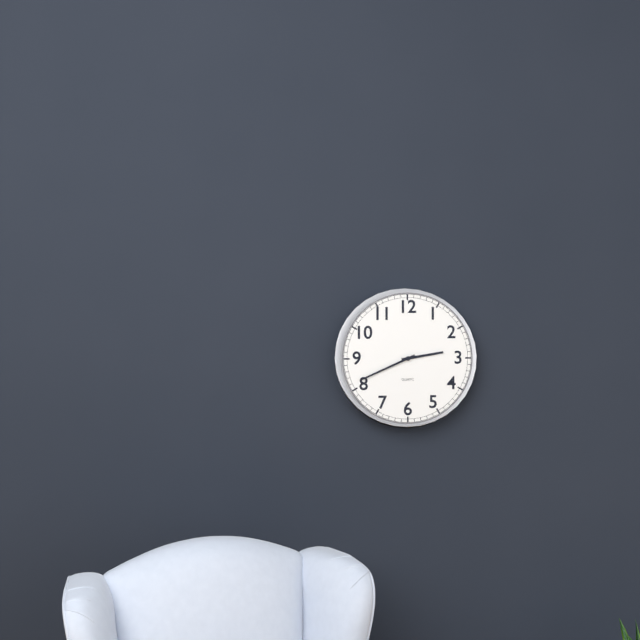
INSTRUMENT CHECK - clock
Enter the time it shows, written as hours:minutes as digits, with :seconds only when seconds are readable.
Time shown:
2:41
